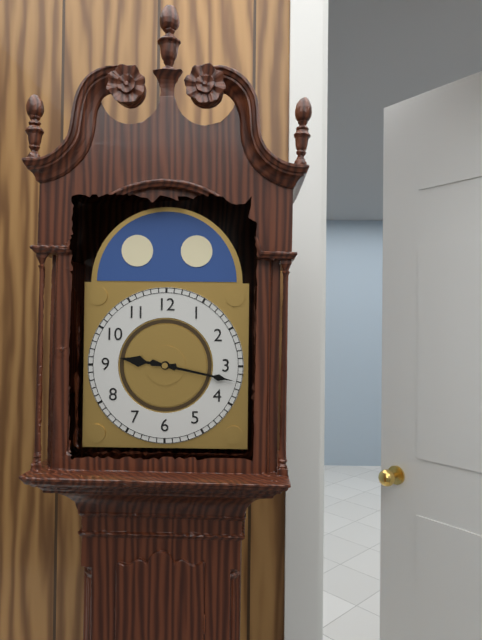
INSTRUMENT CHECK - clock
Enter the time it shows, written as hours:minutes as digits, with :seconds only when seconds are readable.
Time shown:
9:17
